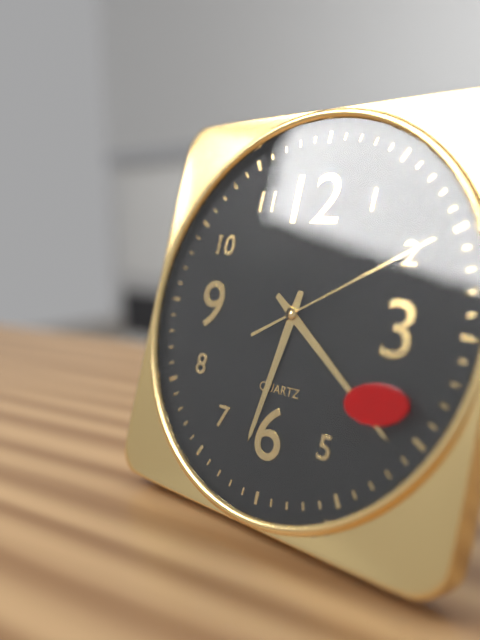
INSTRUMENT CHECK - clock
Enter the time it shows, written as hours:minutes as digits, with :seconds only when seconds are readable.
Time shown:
6:21:10
